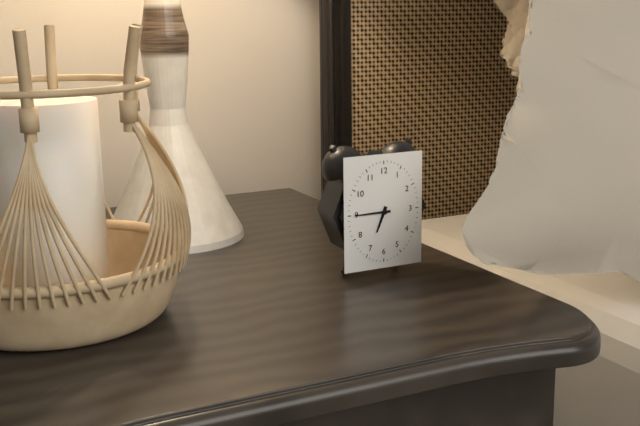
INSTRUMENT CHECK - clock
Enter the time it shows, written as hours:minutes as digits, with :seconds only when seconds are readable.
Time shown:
6:45
